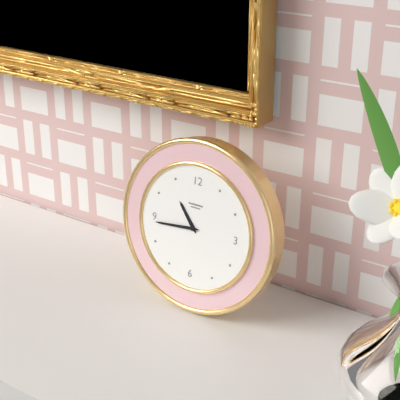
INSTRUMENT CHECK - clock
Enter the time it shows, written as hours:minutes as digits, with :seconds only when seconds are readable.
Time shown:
10:44
